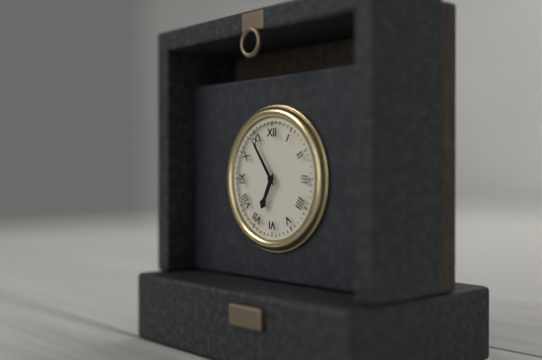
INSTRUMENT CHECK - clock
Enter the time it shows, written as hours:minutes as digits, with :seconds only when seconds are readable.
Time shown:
6:54
